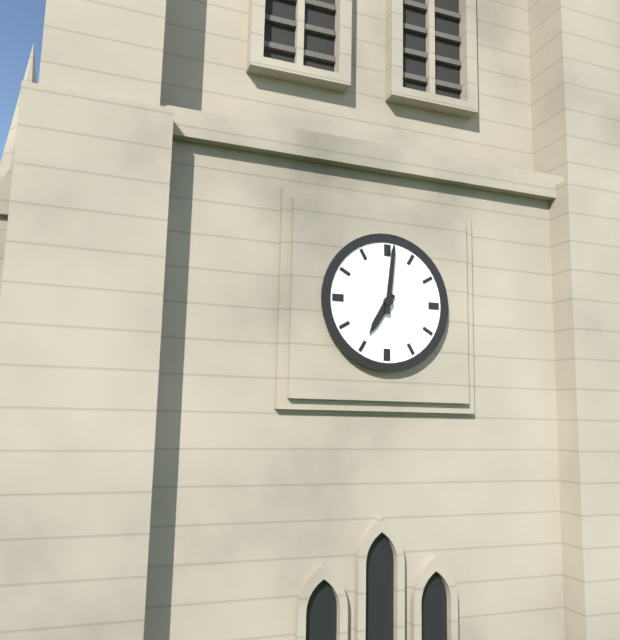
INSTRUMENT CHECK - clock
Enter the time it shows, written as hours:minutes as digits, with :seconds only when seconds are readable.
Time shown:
7:01
